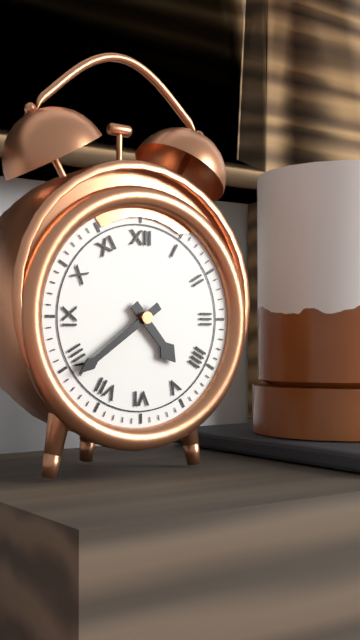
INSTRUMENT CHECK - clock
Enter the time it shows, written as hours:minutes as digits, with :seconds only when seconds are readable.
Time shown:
4:39
